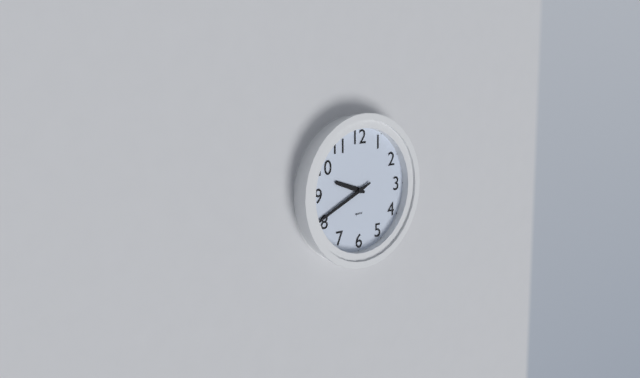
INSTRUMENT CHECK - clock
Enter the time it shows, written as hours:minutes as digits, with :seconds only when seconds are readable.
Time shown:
9:41
